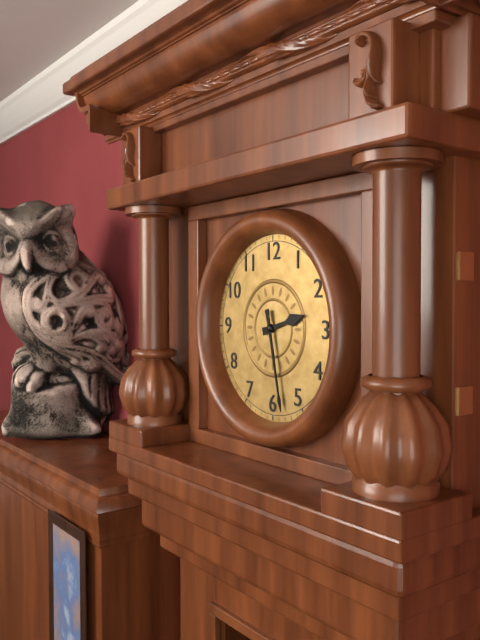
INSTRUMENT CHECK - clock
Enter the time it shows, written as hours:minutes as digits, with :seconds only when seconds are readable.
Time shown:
2:28
